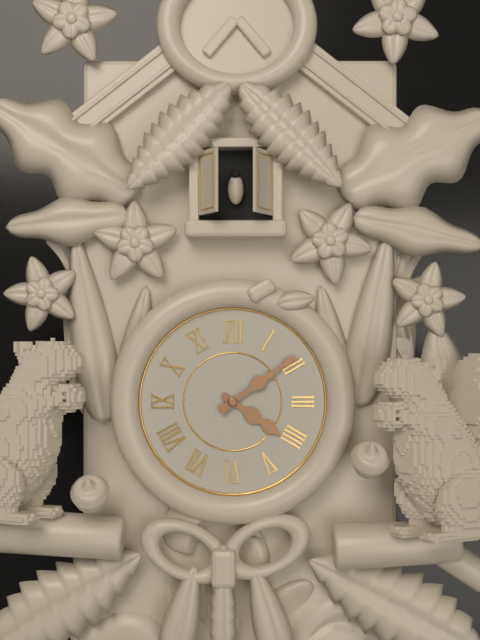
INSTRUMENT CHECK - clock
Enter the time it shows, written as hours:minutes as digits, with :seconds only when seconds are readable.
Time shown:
4:09
